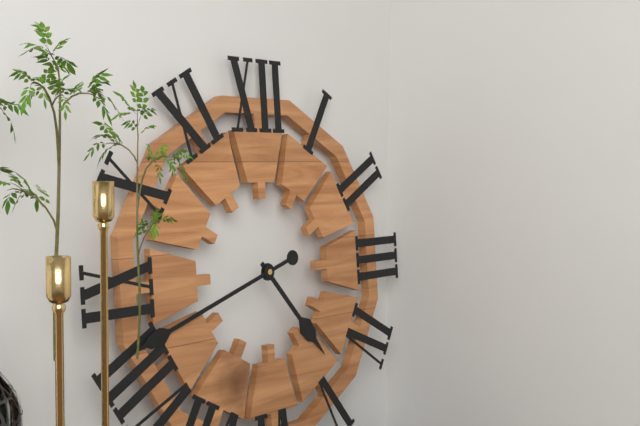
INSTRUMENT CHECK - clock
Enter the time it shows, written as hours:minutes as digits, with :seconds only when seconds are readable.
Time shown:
4:42
